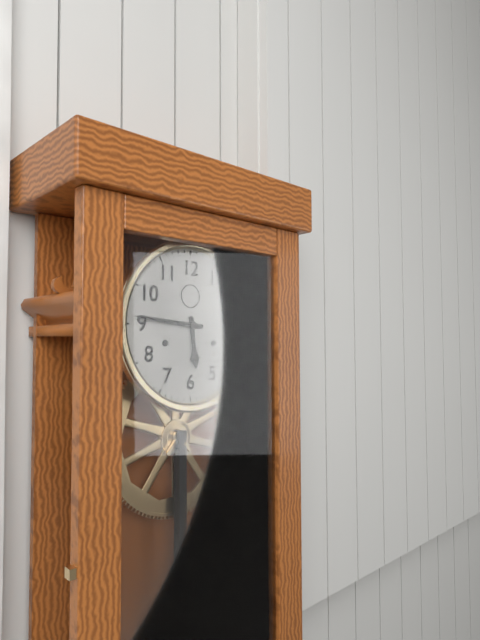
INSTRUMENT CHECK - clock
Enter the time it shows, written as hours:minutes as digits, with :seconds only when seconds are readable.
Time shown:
5:46
